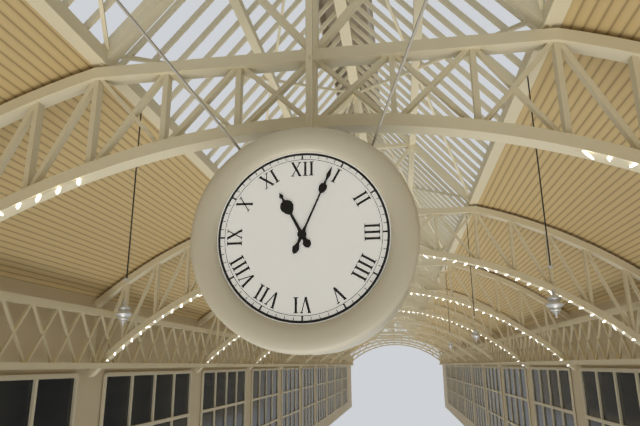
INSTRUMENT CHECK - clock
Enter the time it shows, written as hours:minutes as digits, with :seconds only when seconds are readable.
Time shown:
11:04
